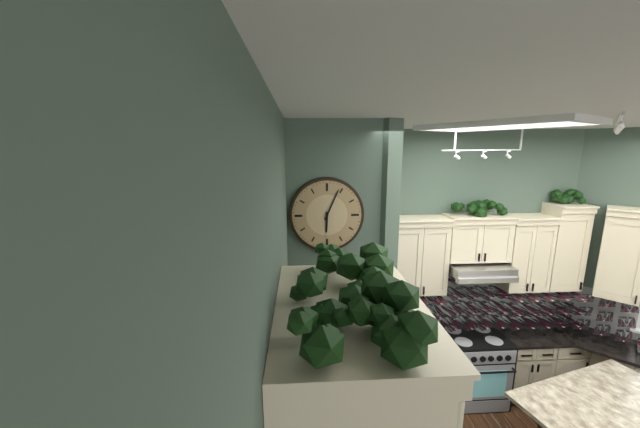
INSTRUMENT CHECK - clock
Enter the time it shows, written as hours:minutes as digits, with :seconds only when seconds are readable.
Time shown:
6:04
